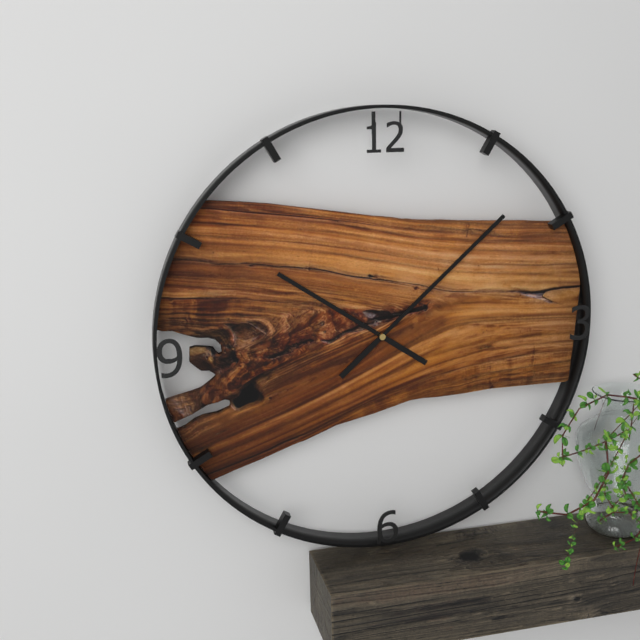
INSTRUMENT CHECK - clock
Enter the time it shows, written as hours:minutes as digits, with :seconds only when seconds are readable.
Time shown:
10:08
